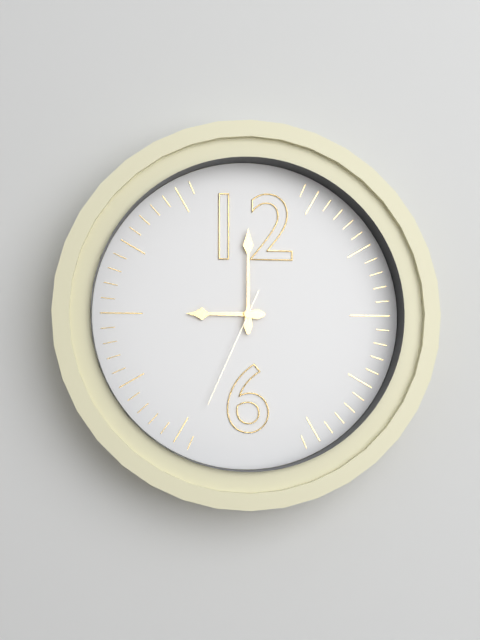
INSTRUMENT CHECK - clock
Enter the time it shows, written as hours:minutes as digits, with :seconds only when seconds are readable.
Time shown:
9:00:34
